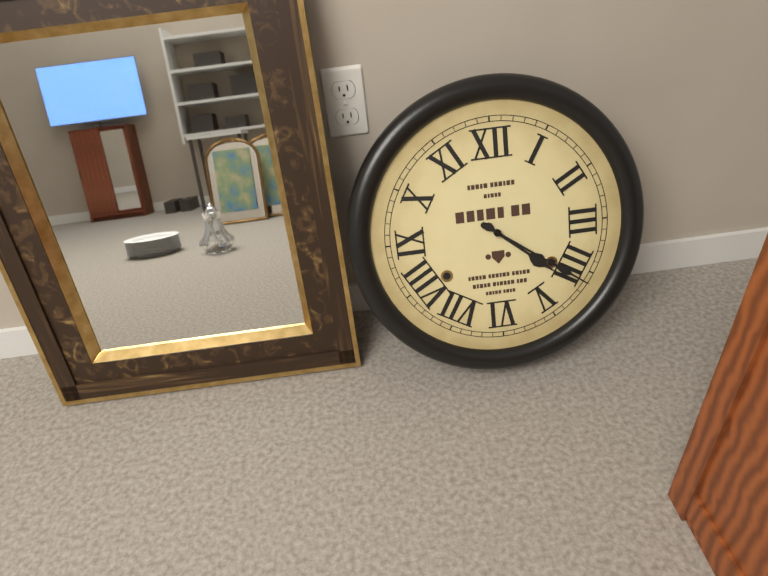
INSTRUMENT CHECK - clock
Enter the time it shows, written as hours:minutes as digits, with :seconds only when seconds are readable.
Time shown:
4:21
